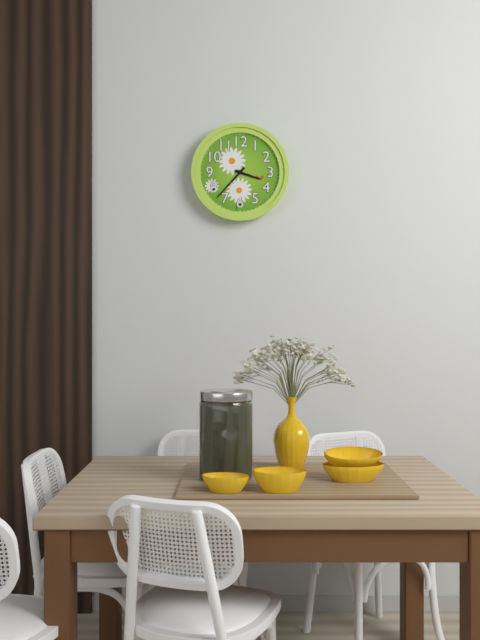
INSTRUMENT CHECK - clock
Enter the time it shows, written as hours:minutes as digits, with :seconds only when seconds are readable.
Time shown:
3:37
